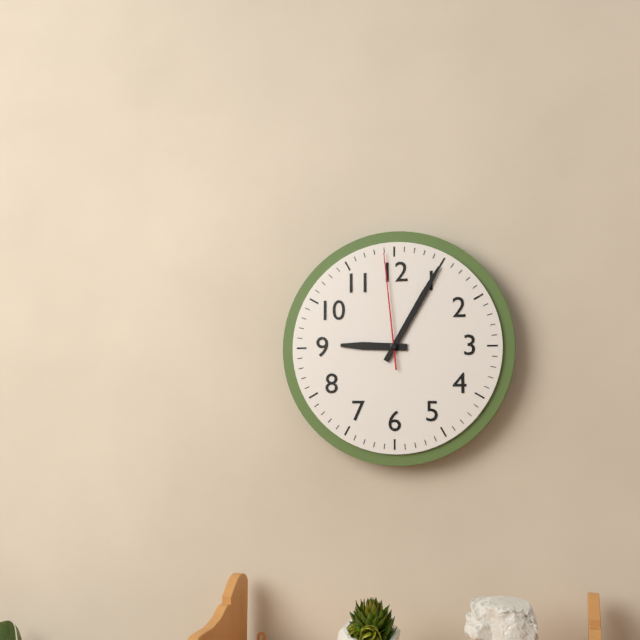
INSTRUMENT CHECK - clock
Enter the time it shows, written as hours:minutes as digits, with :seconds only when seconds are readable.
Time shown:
9:05:59
